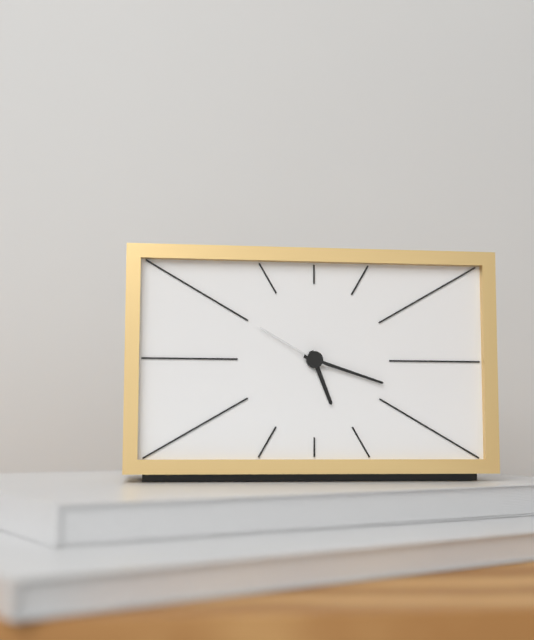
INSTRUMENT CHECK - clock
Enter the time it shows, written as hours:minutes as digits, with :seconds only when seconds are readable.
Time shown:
5:18:50
